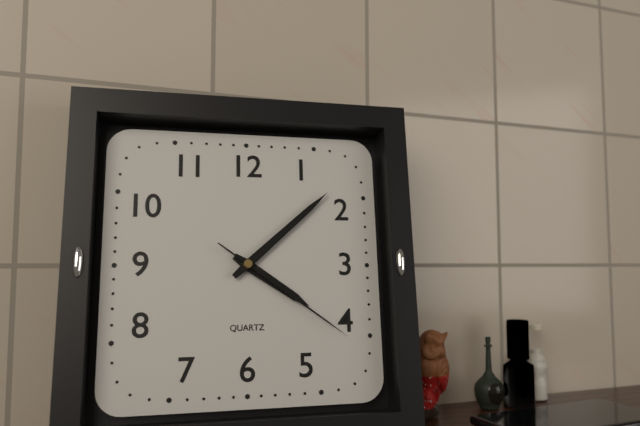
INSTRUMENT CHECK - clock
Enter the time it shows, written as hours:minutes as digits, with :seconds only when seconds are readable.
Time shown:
4:08:21
